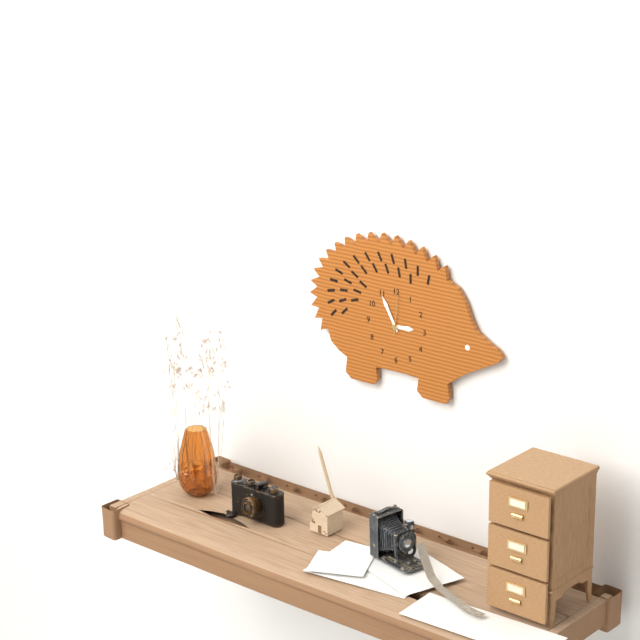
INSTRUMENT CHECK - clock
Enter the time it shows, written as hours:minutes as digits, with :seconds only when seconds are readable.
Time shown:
2:55
